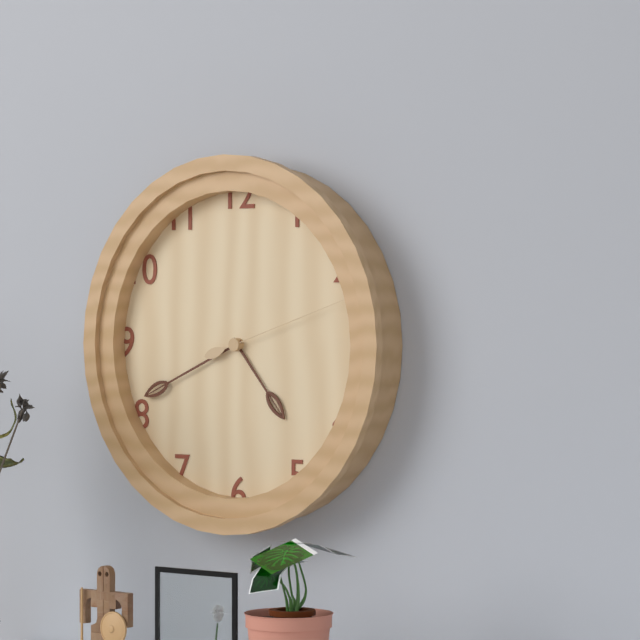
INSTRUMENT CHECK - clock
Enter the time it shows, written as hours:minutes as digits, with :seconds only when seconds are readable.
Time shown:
4:41:12
